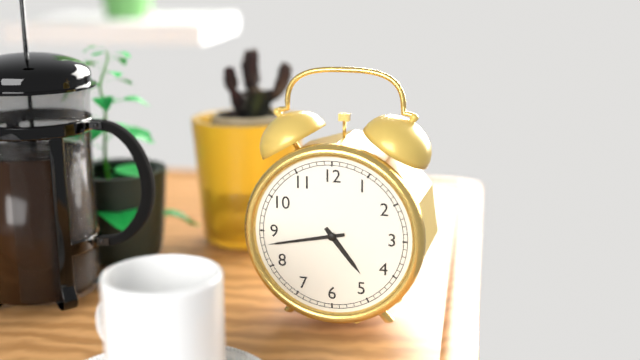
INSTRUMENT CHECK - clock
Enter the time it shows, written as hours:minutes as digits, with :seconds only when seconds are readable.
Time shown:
4:43
